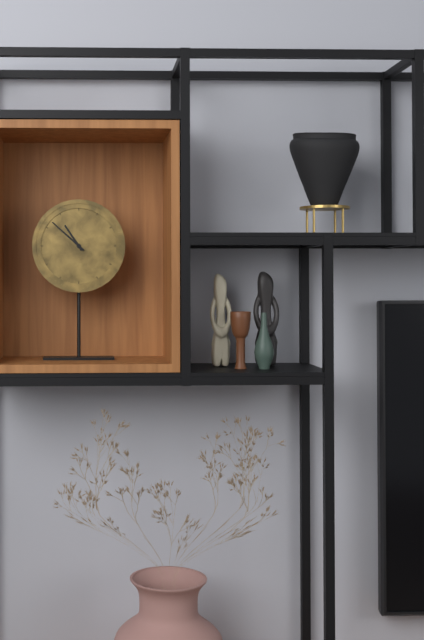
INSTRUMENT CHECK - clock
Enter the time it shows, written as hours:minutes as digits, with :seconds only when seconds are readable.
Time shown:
10:52
